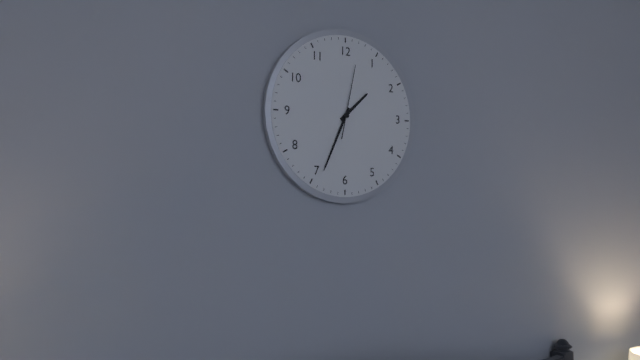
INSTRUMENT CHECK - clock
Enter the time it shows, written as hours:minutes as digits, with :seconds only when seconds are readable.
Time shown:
1:34:02
